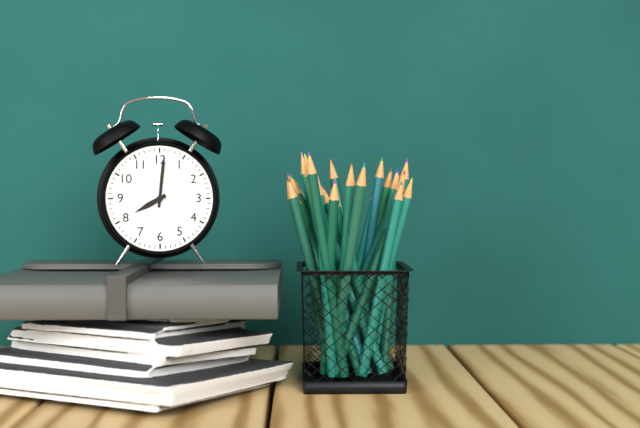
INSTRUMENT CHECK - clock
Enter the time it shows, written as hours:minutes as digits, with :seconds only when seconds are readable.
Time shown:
8:01
